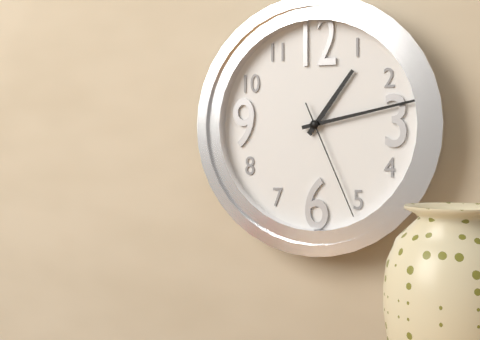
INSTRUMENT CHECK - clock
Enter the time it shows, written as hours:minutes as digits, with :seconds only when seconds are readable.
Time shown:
1:13:26
